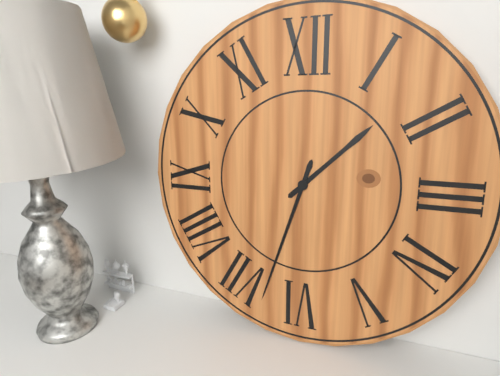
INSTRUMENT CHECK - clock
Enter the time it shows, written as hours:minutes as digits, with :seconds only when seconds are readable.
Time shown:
1:33
